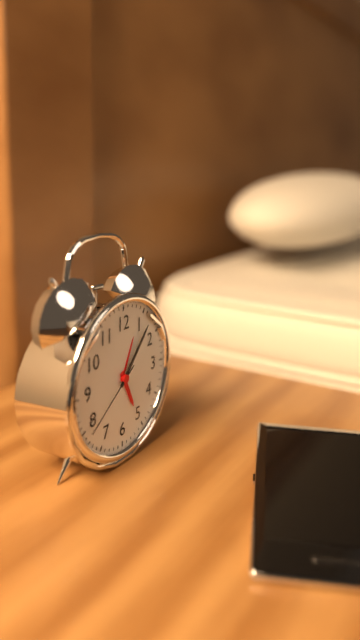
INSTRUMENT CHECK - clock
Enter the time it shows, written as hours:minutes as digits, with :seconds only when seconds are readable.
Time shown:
5:07:39
